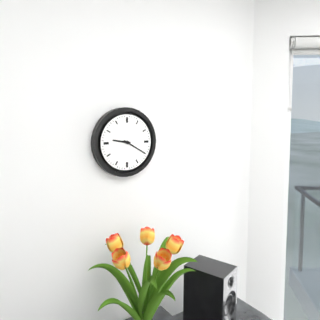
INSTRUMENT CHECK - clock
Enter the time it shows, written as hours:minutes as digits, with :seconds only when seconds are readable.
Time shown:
9:20
